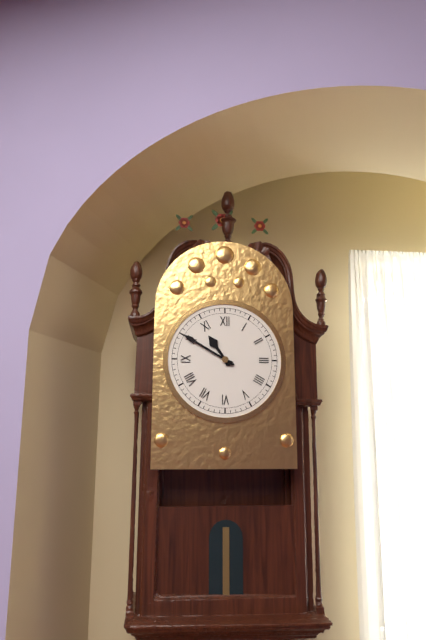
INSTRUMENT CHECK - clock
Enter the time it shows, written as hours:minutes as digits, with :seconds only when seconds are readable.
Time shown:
10:50
